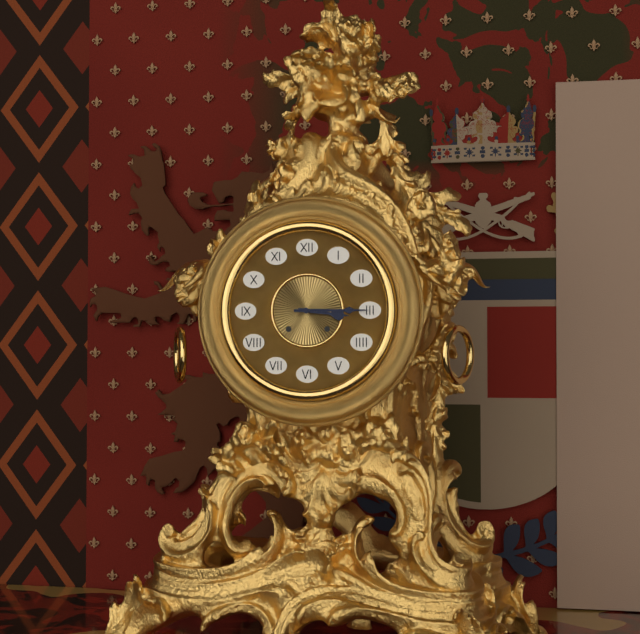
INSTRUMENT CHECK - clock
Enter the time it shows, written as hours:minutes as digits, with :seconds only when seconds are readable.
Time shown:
3:15
